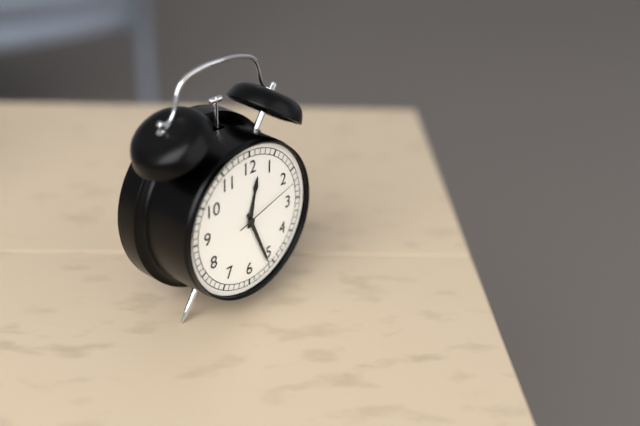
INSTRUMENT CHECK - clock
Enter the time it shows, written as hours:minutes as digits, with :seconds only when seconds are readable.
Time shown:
12:26:12
